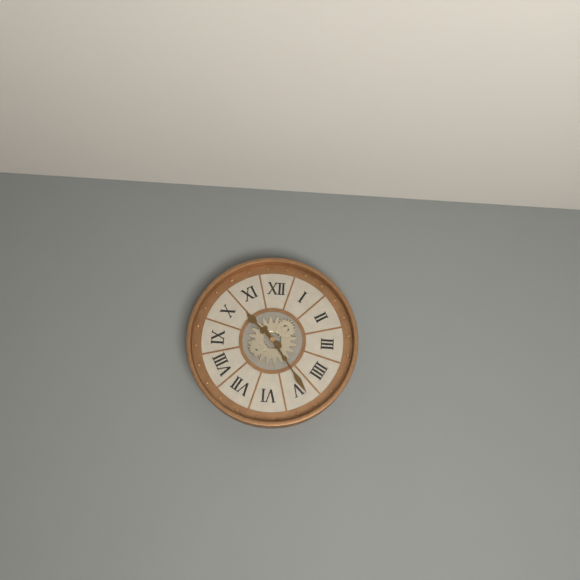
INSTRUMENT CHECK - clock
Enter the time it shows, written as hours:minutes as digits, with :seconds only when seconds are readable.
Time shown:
10:24
